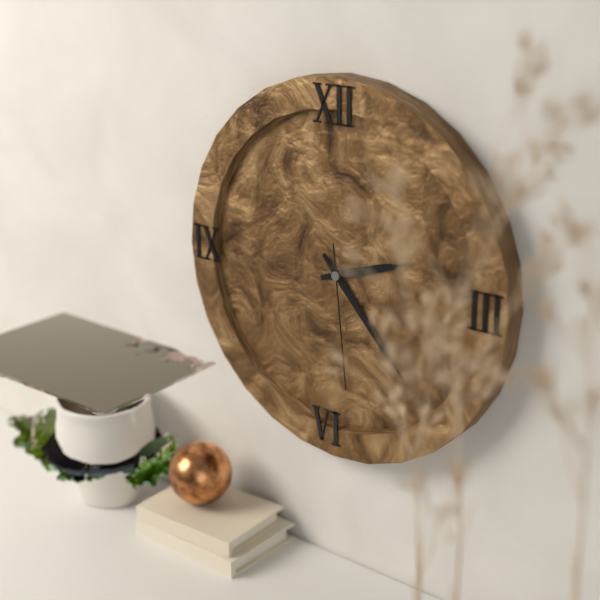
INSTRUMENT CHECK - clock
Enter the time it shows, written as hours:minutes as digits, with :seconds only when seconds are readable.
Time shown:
2:23:29
